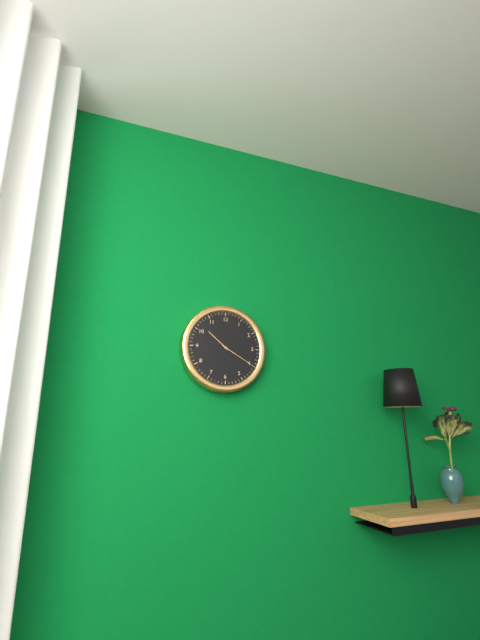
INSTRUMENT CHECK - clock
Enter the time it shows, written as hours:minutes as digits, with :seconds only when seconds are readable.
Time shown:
10:20
